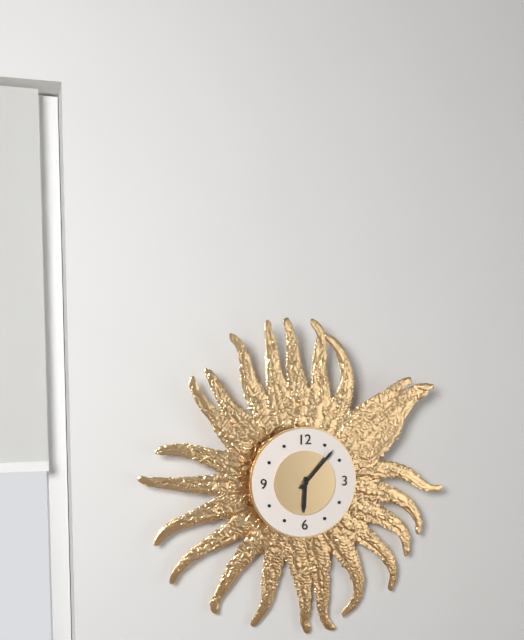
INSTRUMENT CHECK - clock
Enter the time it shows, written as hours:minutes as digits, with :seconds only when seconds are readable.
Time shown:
6:07
